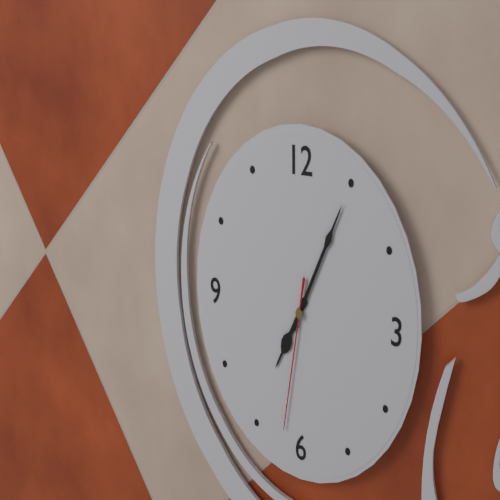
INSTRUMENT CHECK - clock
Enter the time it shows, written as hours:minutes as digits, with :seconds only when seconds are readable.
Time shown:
7:05:32
